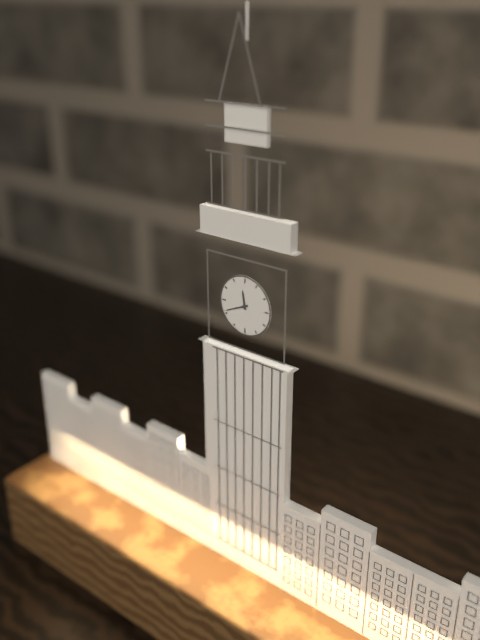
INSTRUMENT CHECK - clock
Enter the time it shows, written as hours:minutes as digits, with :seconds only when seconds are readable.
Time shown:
11:41
